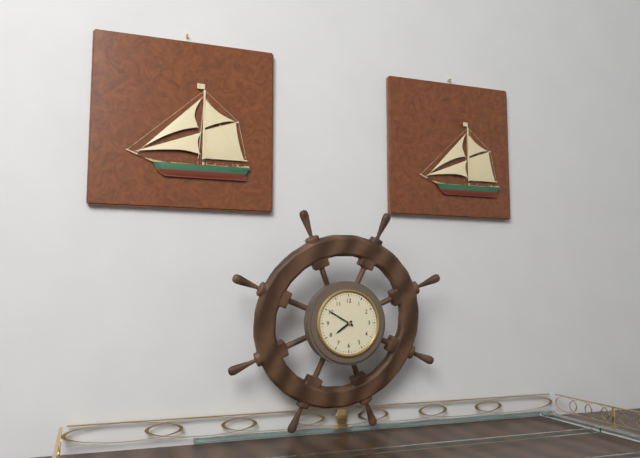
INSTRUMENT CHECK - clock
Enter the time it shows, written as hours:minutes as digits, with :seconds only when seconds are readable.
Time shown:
7:50
